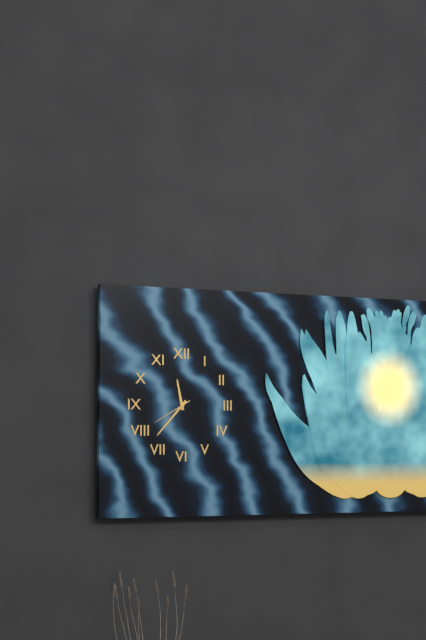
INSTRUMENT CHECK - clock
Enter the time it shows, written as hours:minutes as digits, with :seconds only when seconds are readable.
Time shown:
11:37
